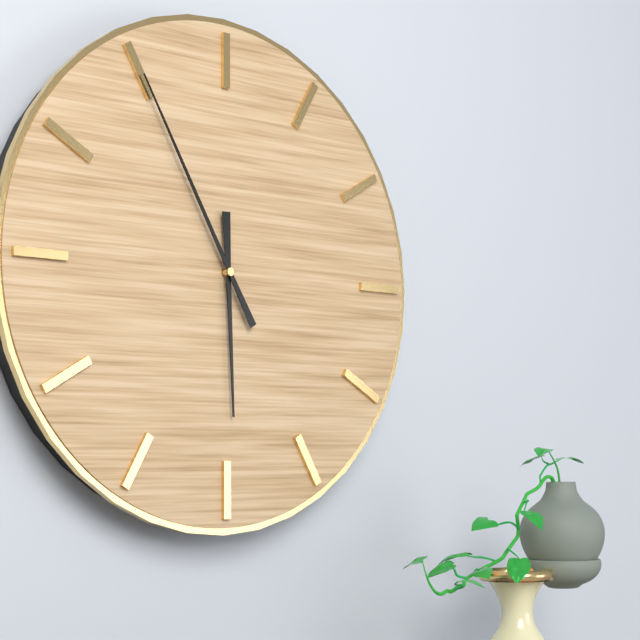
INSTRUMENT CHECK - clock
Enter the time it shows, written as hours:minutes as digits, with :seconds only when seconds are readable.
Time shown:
5:55
